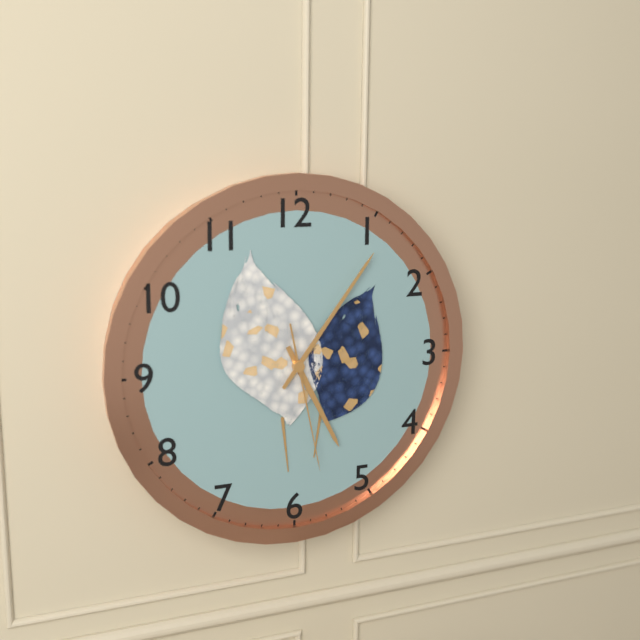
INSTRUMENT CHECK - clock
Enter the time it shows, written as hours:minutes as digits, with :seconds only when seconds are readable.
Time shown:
5:06:28
